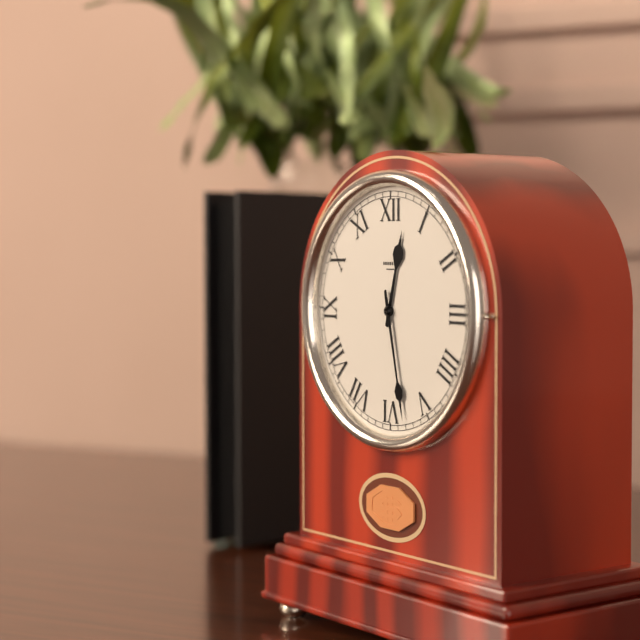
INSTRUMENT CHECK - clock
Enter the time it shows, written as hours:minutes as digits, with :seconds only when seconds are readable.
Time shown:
12:28
